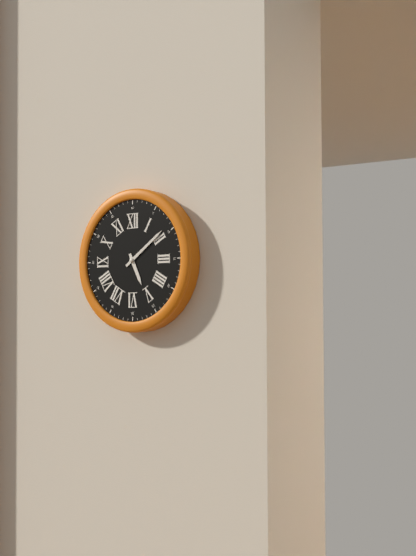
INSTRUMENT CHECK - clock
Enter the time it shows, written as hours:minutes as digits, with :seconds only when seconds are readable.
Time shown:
5:09
